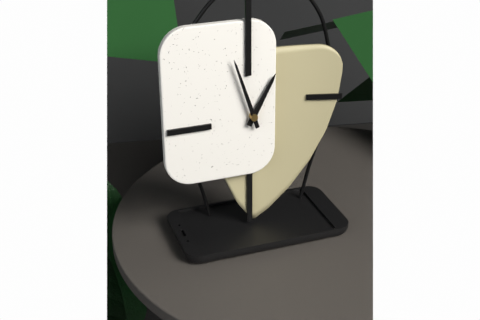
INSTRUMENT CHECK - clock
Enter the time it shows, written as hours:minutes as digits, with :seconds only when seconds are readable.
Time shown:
12:57
